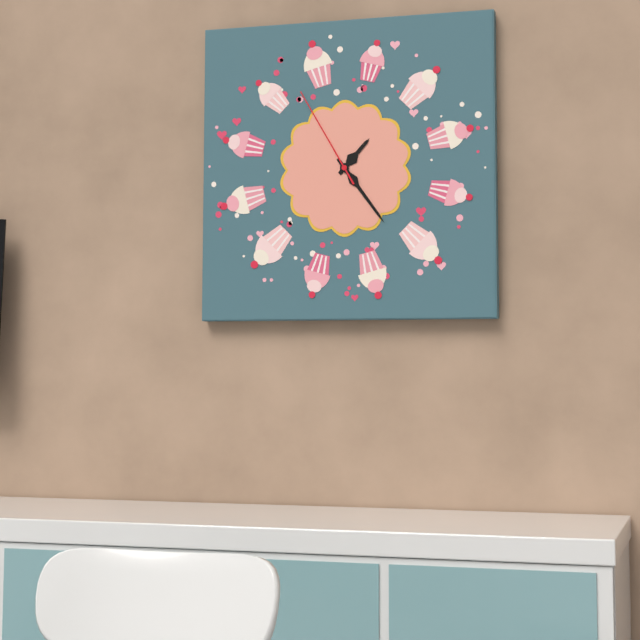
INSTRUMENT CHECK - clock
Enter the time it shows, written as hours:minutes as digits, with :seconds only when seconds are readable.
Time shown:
1:24:55
